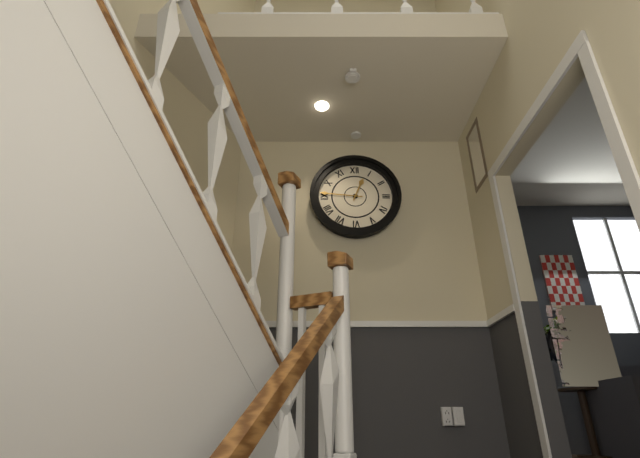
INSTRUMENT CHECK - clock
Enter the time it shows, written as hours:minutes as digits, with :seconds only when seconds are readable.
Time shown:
12:46
